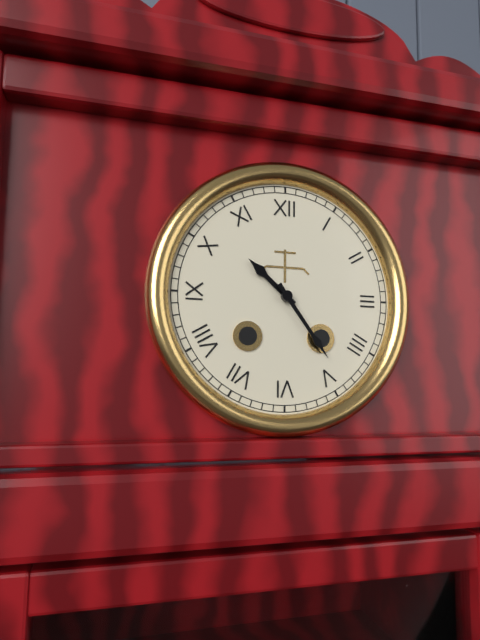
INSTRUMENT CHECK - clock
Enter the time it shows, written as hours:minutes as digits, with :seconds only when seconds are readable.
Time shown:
10:24
